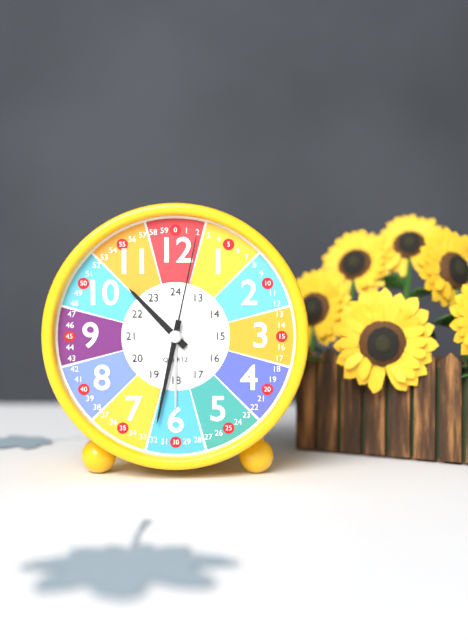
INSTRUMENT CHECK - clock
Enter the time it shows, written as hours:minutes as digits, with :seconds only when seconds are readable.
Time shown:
10:32:02
